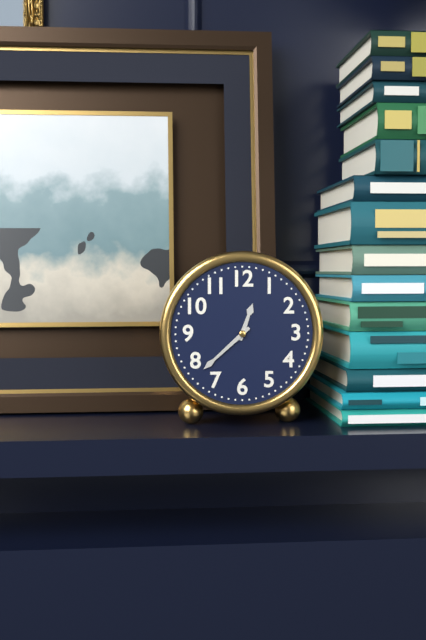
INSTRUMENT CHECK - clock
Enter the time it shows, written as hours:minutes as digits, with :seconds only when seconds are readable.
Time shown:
12:38
